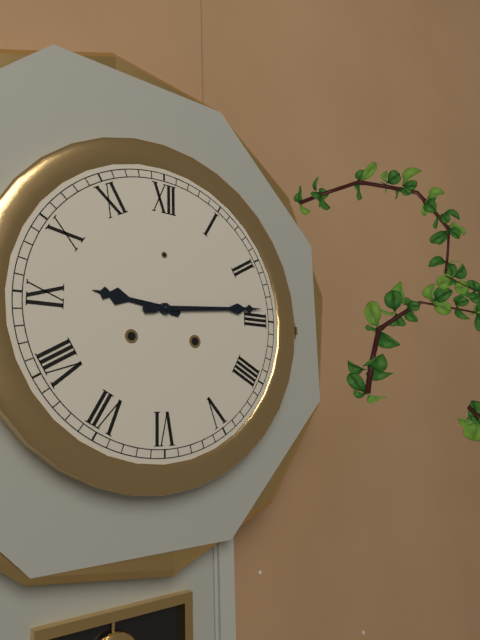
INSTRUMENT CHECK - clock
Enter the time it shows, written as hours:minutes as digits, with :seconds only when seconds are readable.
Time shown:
9:14
